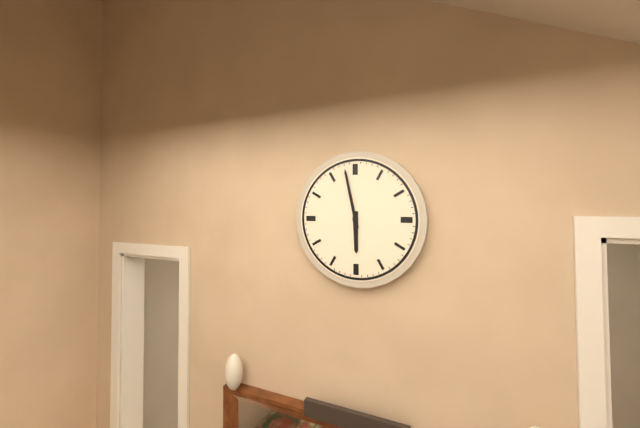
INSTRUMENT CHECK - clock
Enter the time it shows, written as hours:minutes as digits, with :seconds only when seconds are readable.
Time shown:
5:58
